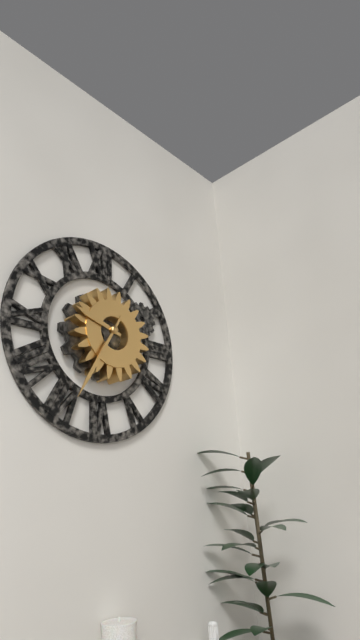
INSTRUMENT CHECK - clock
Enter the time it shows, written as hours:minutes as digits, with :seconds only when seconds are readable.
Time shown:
9:35
